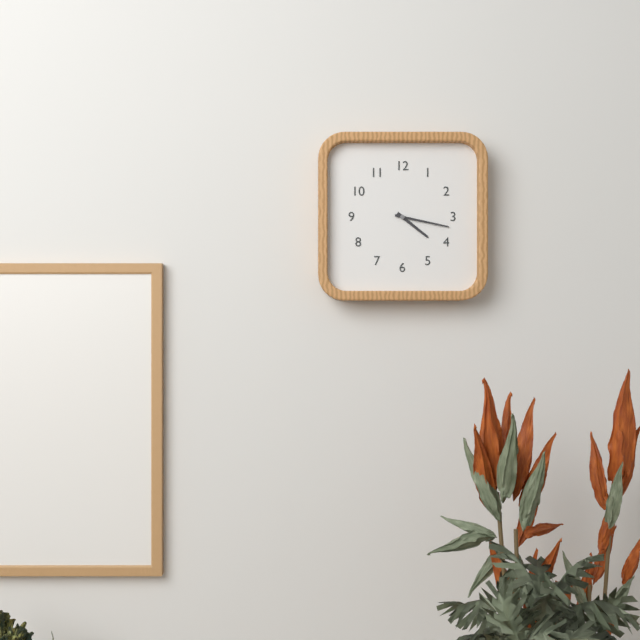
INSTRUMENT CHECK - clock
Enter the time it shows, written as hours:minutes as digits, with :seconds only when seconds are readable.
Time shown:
4:17
